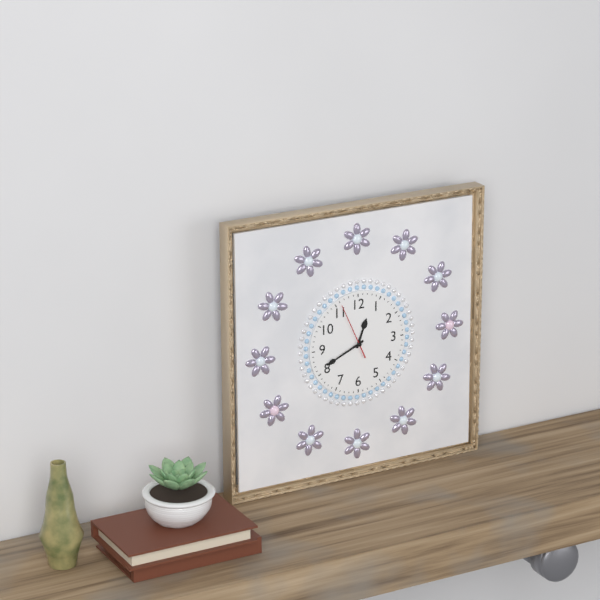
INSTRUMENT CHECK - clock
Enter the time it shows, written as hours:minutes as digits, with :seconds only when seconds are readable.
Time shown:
12:41:56
